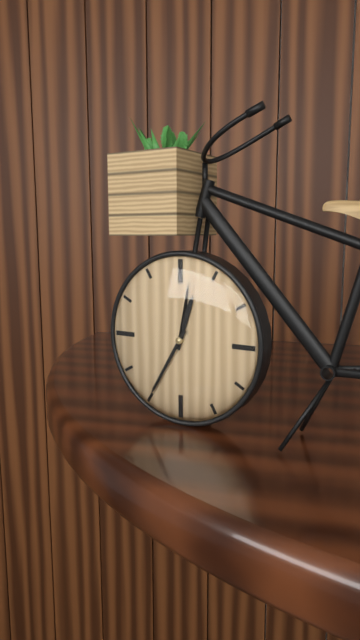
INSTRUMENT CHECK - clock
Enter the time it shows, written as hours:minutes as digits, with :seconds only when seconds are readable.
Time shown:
12:35
